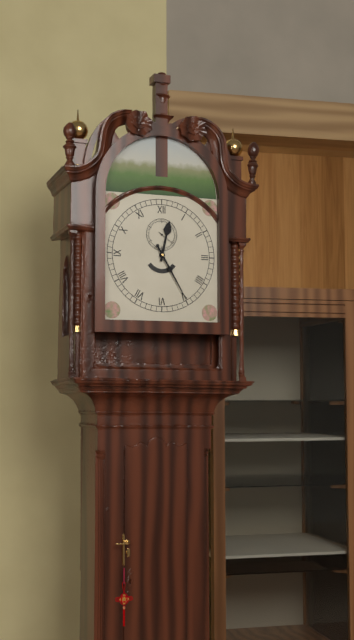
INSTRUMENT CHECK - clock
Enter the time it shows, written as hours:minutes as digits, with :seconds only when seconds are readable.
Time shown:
12:25
